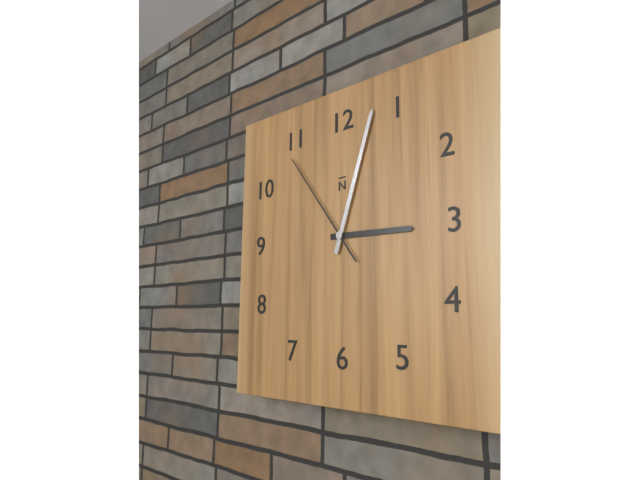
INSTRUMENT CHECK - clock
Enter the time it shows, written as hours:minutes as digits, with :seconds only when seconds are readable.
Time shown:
3:03:54
